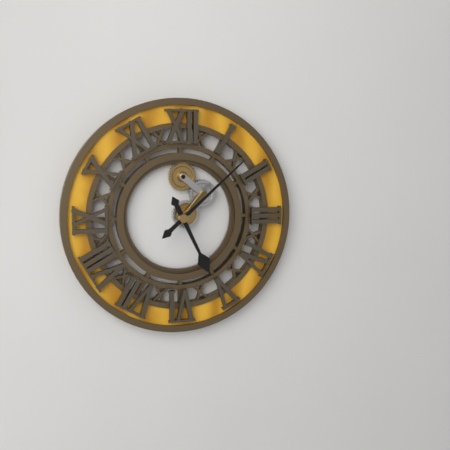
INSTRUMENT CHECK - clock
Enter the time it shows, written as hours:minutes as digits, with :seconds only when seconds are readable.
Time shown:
5:08
